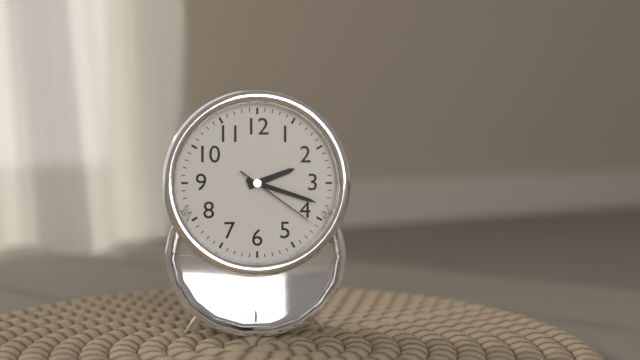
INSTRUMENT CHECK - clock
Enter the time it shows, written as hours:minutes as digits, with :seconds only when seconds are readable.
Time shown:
2:18:21
